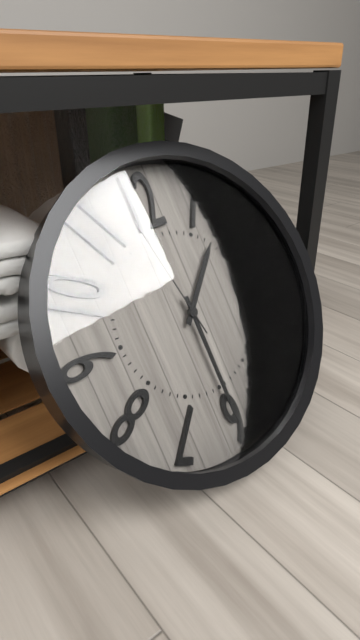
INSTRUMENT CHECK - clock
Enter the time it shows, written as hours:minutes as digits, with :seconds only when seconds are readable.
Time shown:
1:30:58
